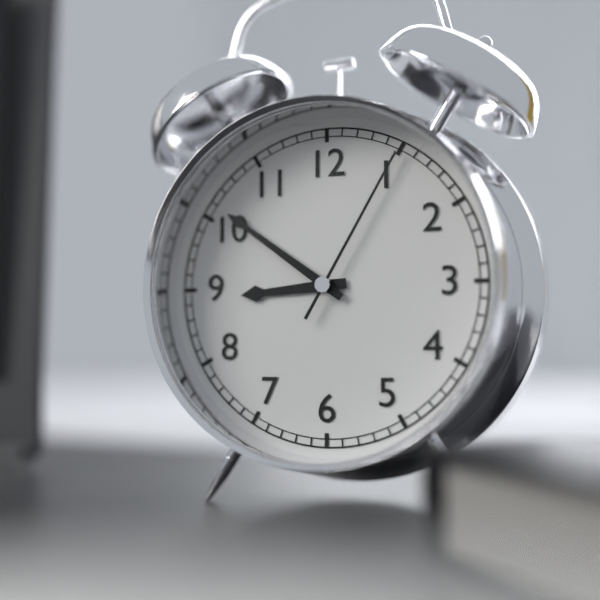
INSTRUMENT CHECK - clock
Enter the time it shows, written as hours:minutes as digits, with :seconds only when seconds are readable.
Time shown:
8:51:05
